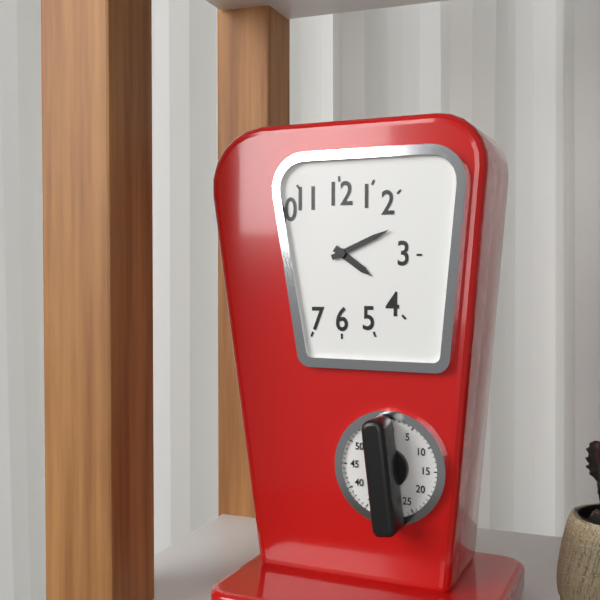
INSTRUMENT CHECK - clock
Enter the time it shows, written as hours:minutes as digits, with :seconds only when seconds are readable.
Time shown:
4:11
